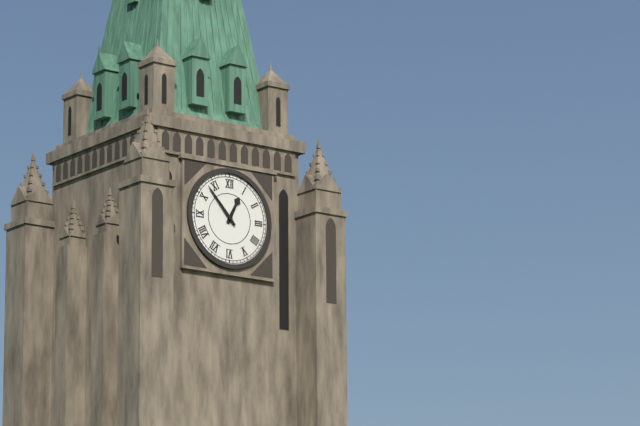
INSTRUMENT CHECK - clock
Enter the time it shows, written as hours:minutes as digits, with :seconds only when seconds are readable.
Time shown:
12:53
